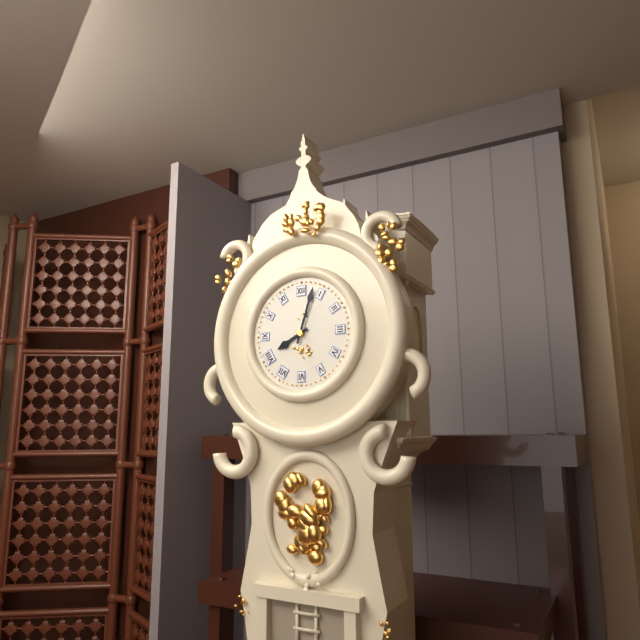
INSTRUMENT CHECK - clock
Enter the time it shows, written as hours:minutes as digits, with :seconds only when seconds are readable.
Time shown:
8:03
